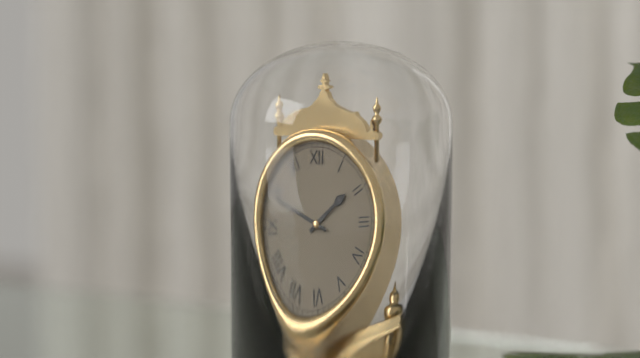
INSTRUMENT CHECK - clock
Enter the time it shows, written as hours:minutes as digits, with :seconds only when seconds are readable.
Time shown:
1:49
